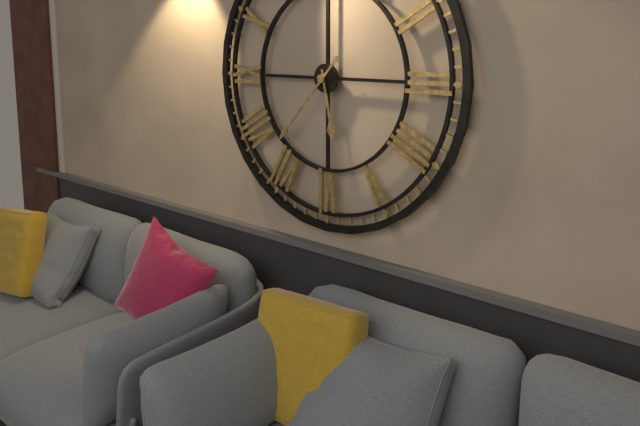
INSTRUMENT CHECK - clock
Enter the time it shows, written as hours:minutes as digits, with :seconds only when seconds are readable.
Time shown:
5:37
